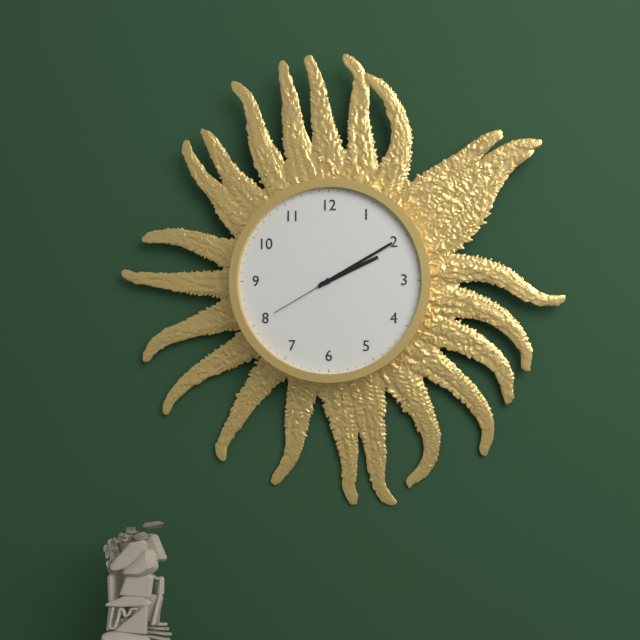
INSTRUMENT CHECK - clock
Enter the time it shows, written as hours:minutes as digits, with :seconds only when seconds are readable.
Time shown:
2:10:40
